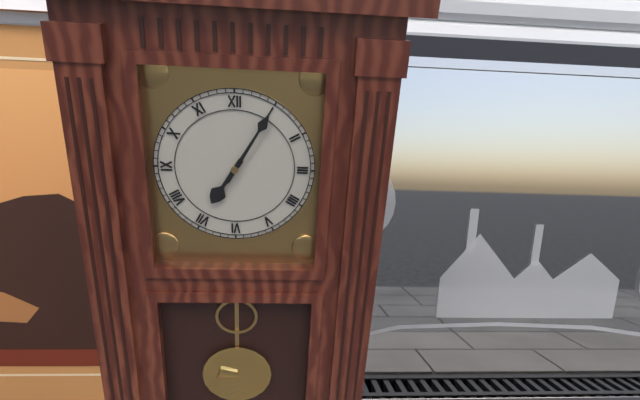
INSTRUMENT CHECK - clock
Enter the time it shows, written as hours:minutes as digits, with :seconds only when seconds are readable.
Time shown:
7:05
